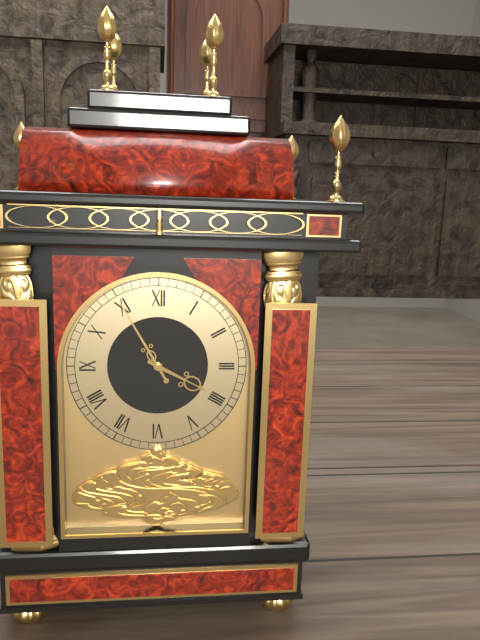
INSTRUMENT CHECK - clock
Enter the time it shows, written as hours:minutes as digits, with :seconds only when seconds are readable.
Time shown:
3:55
